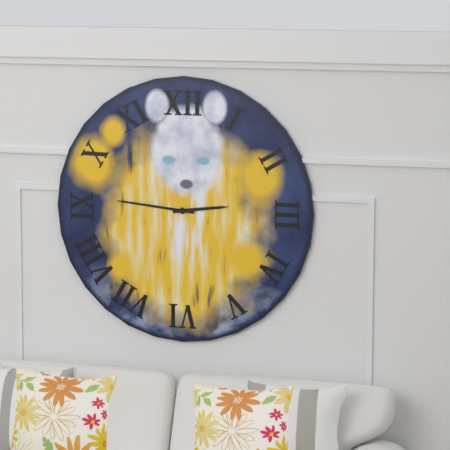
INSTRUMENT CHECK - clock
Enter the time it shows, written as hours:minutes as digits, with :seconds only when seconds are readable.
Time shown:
2:46
